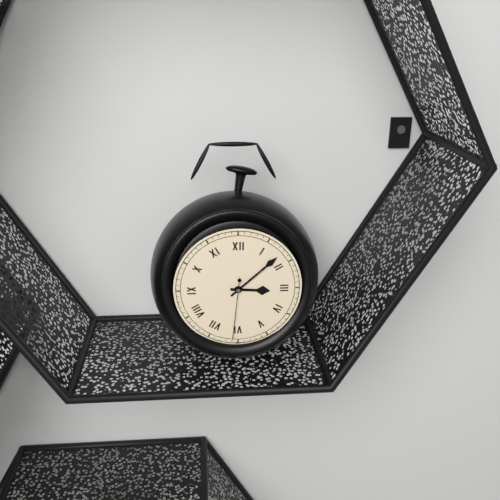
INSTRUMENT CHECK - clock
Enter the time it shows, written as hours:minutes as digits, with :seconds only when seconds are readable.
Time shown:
3:08:31
